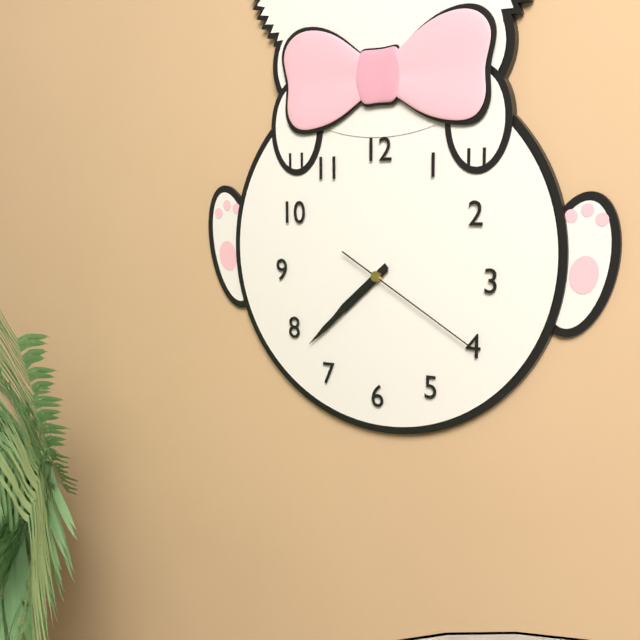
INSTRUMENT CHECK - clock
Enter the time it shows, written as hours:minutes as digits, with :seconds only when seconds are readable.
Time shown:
7:38:20
